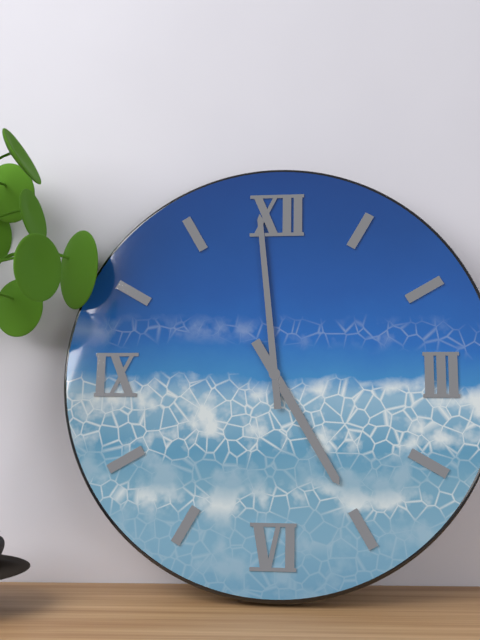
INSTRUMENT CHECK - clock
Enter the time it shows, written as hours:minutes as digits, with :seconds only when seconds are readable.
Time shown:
4:59
